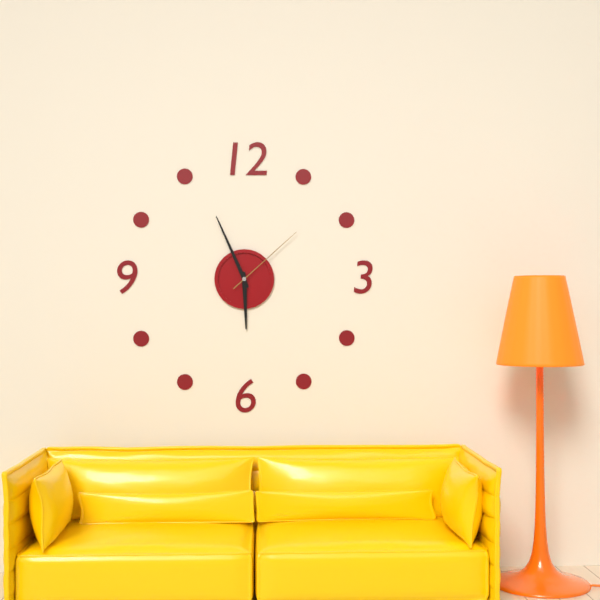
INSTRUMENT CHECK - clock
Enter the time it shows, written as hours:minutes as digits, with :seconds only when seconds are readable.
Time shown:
5:56:08
